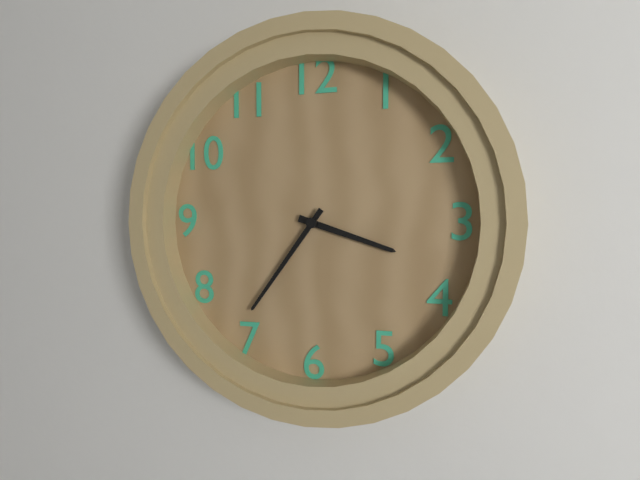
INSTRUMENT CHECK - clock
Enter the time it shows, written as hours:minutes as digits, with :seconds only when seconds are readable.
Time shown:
3:36
